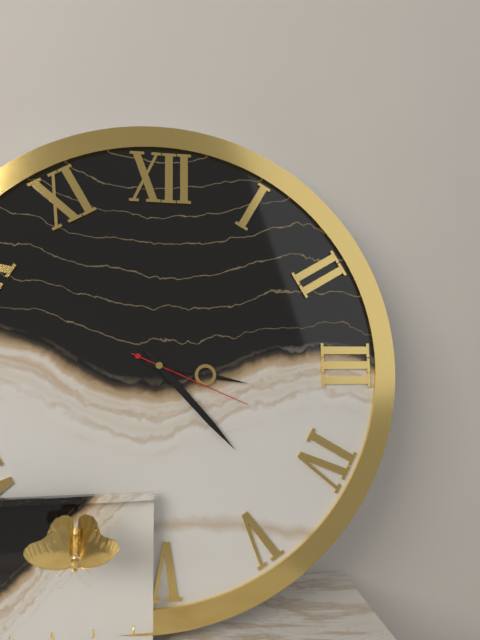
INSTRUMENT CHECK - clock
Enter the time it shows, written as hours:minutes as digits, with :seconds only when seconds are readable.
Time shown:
3:23:19
